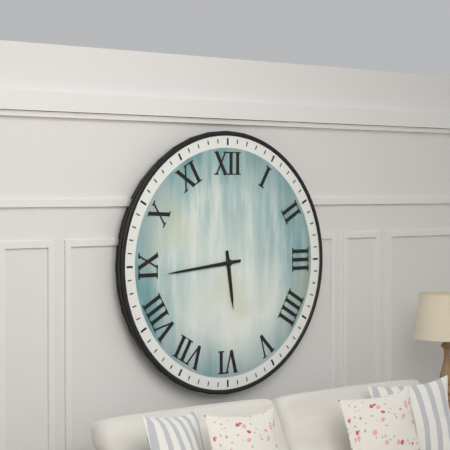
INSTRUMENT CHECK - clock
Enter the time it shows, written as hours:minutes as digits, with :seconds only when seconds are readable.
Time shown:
5:44
